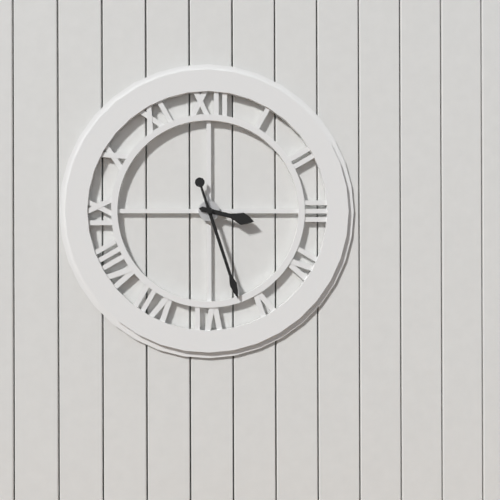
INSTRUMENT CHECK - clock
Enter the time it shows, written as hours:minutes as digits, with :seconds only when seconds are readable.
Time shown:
3:27
